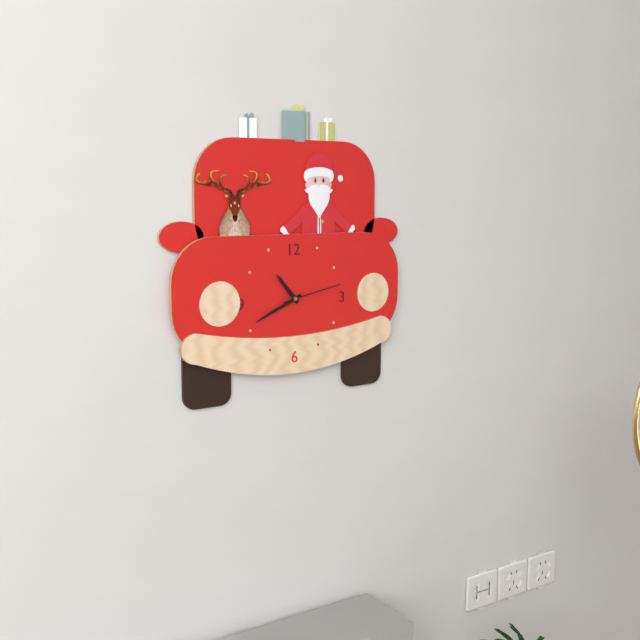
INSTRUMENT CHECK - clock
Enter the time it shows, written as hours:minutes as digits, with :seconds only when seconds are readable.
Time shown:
10:41:13
